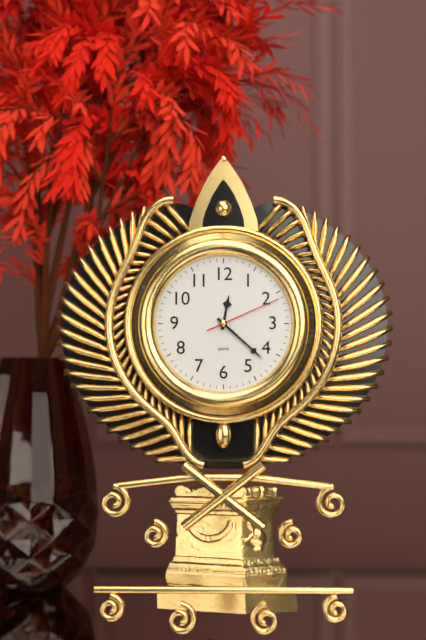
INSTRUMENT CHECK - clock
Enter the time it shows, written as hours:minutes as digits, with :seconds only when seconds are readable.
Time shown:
12:22:11
